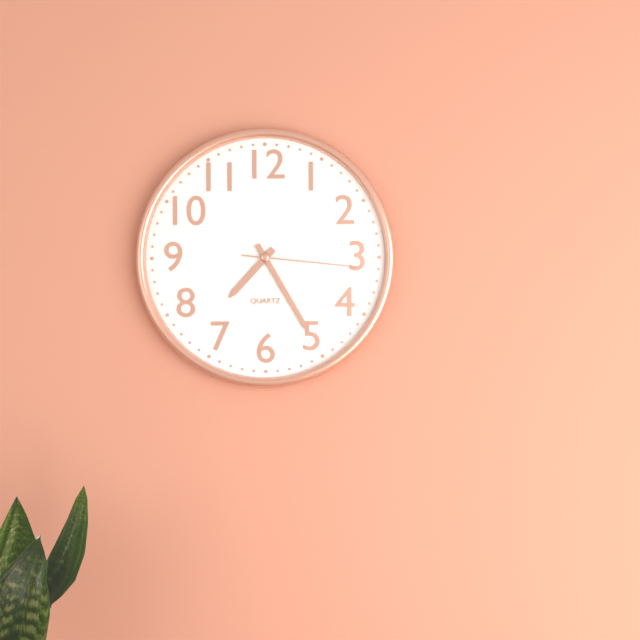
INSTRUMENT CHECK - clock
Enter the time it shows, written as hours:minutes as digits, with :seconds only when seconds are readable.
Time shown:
7:25:16
